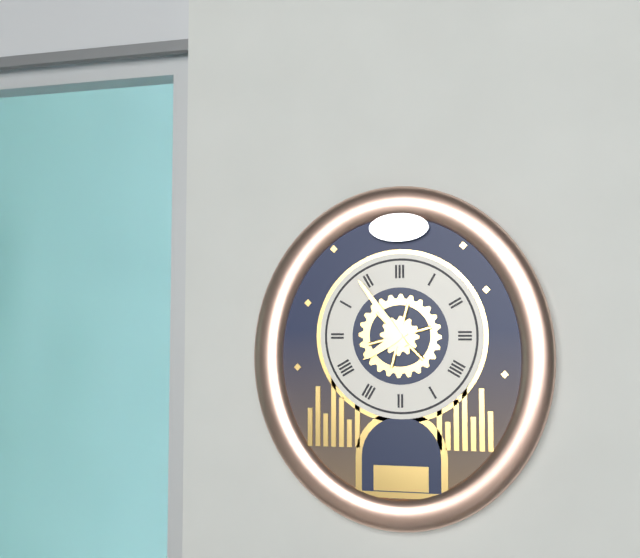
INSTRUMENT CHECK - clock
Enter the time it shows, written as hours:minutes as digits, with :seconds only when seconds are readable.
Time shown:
7:54
